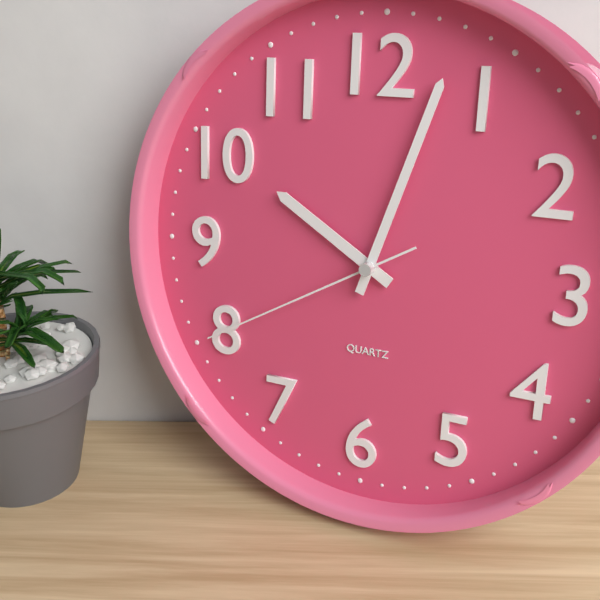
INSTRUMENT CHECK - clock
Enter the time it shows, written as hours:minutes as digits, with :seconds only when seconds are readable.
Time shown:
10:03:40
